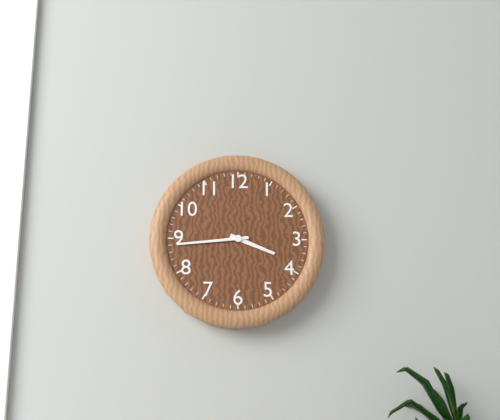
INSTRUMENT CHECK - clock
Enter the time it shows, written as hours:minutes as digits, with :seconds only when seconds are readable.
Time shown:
3:44
